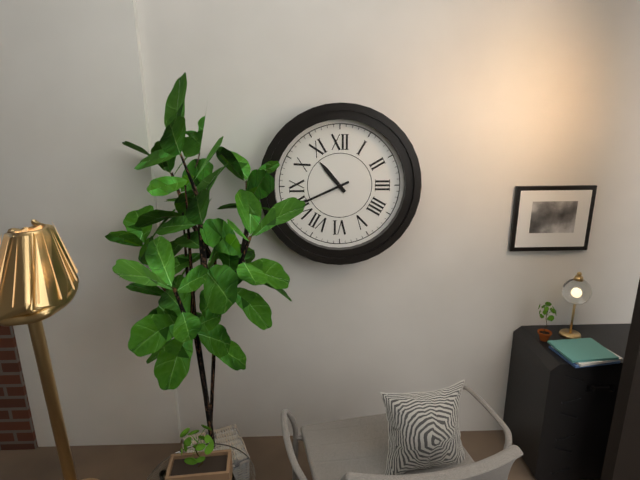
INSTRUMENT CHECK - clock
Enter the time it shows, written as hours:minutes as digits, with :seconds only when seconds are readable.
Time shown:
10:41
